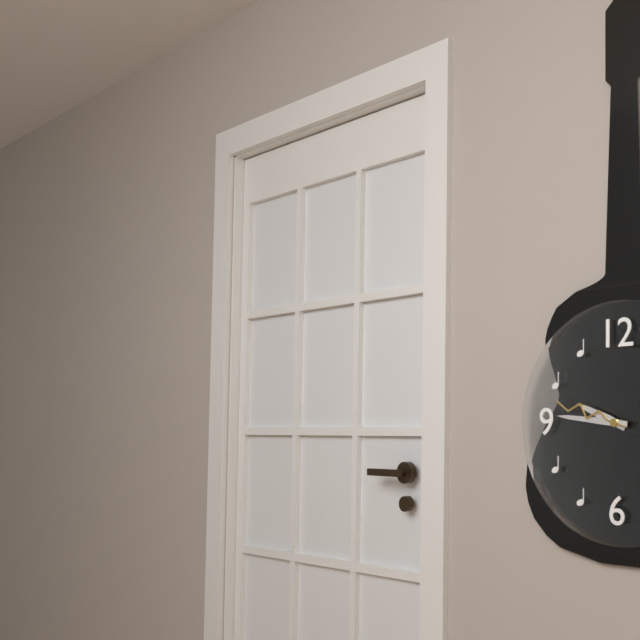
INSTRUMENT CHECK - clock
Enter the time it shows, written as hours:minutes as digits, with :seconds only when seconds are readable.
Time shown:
9:46:48
